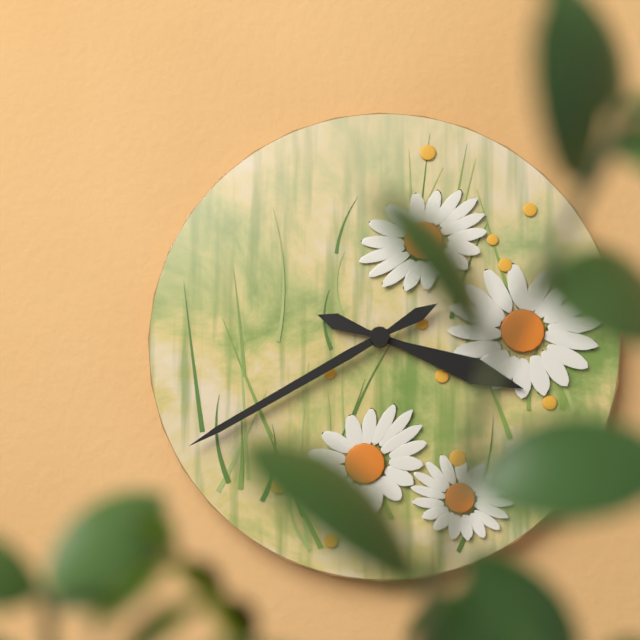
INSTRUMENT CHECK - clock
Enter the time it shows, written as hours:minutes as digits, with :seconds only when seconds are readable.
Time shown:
3:40
